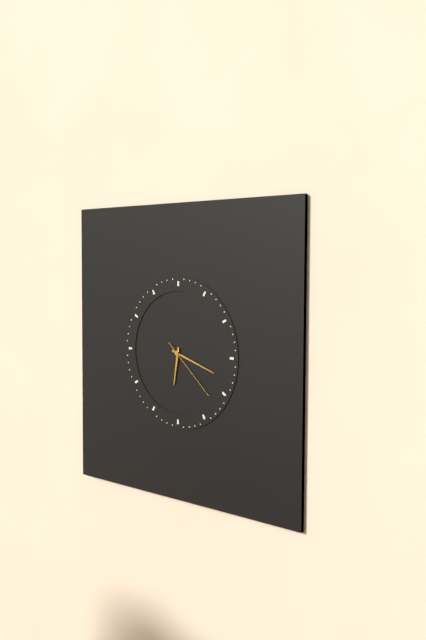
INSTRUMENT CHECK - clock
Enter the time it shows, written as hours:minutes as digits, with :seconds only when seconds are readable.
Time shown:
6:18:22
